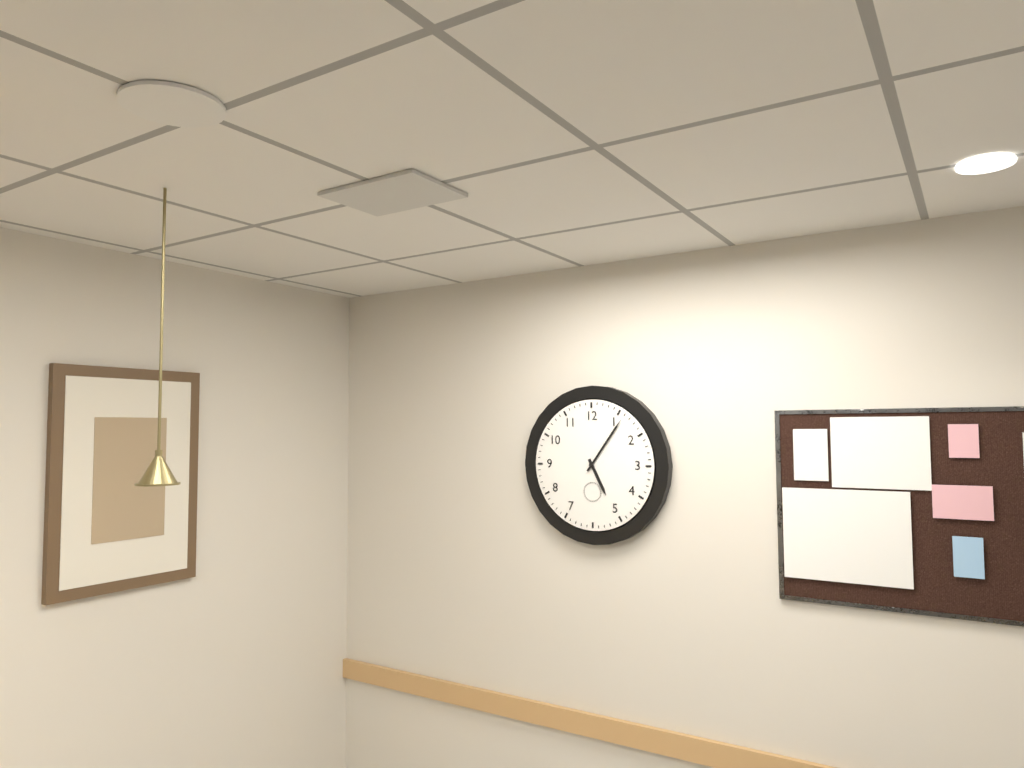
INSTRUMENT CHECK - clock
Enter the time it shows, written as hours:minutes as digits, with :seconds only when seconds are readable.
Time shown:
5:06
